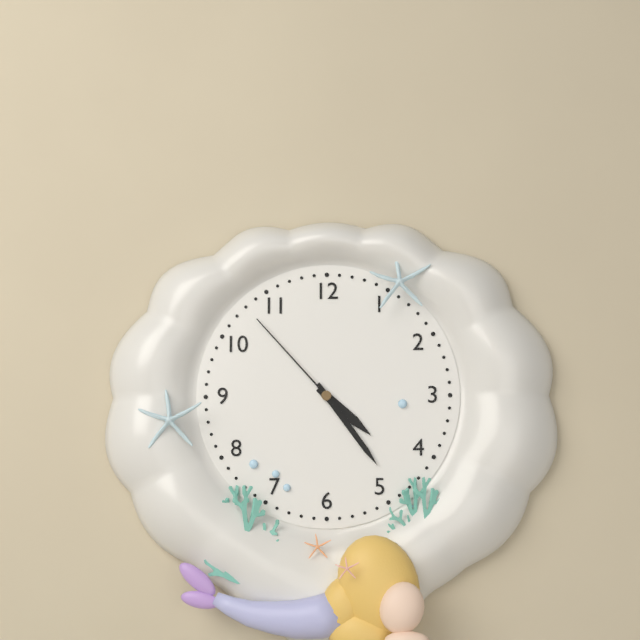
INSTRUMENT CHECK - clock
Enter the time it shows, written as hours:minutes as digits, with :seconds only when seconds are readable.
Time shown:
4:24:53
